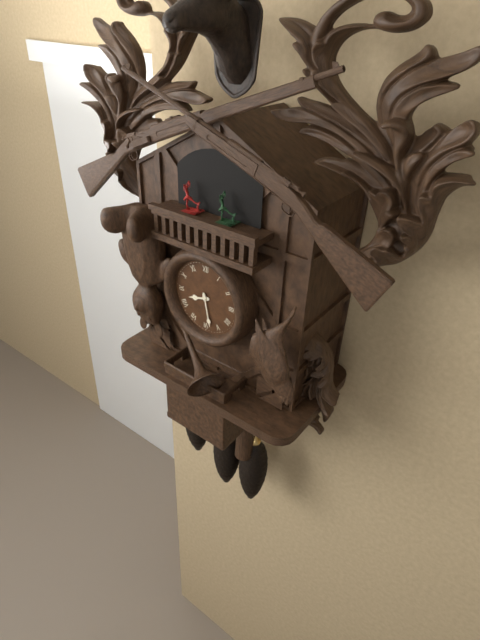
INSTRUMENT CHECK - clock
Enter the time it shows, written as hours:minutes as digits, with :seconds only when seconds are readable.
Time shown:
8:28
